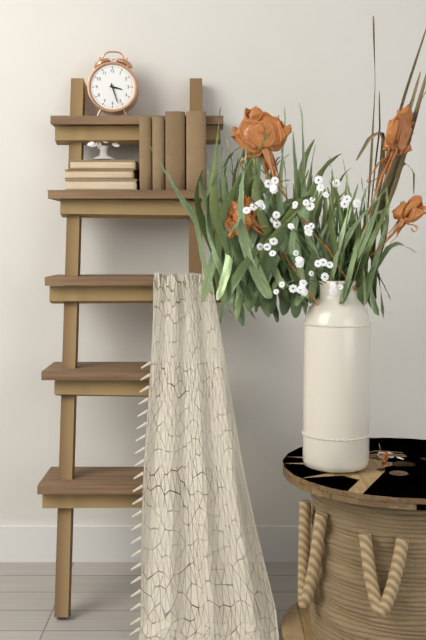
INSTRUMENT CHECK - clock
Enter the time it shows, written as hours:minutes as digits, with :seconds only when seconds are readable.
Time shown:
3:27
